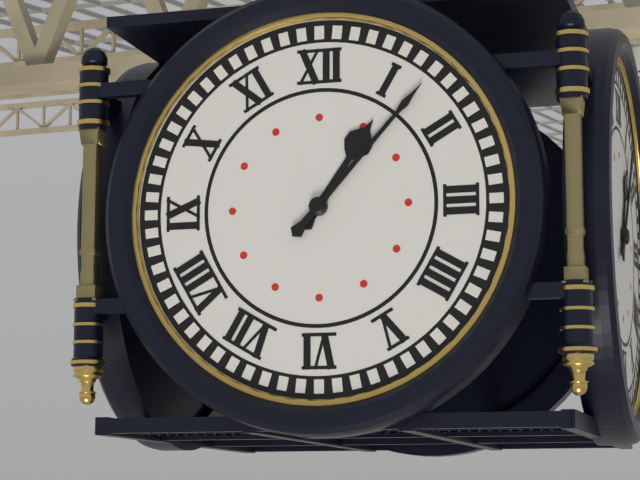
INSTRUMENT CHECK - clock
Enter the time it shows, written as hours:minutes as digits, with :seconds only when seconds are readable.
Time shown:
1:07
